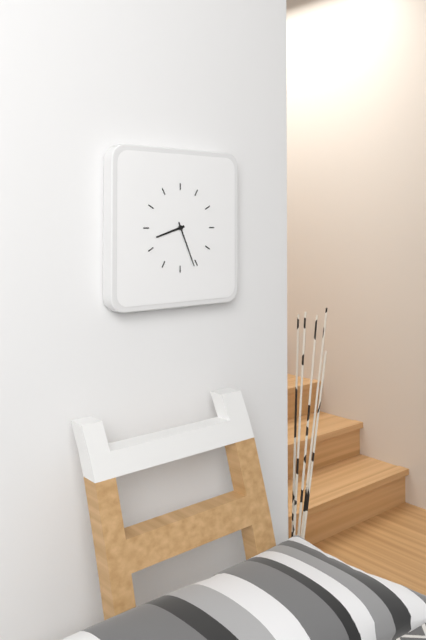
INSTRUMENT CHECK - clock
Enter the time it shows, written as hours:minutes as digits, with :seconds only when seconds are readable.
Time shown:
8:26
